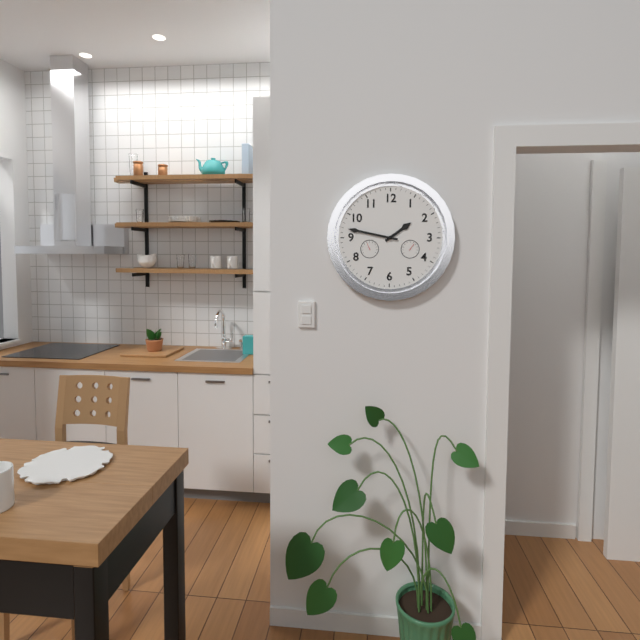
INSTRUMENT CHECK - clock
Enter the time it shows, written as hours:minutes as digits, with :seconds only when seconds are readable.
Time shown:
1:47
